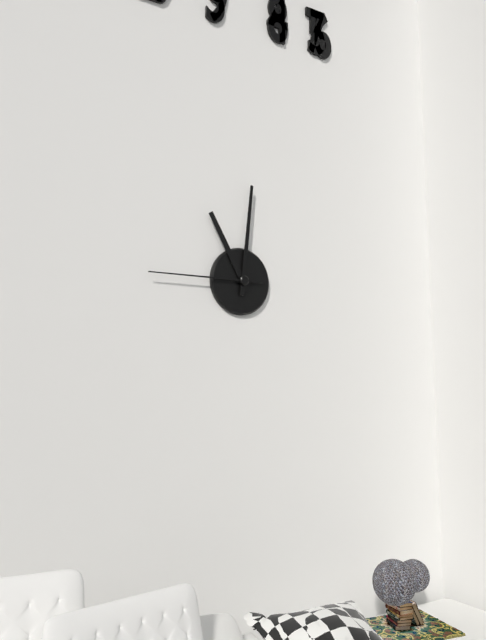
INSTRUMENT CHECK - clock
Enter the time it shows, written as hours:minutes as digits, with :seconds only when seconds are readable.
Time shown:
11:01:45
